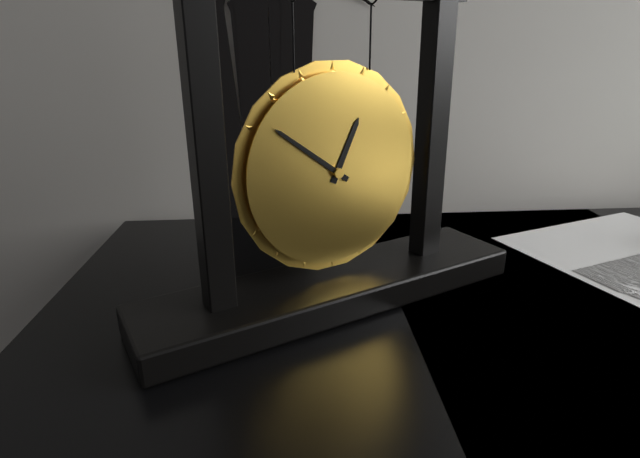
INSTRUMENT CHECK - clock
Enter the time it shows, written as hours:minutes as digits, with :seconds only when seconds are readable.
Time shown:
12:51
